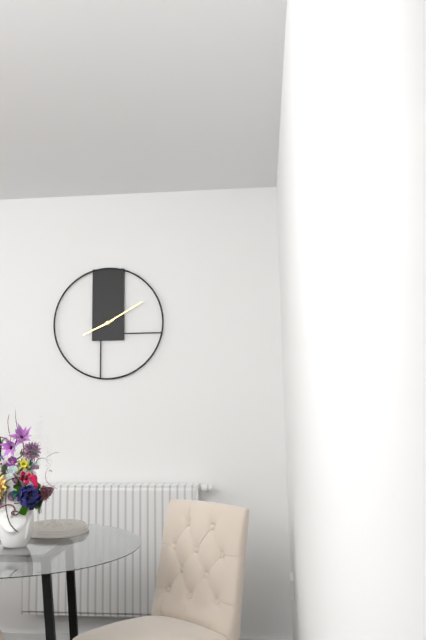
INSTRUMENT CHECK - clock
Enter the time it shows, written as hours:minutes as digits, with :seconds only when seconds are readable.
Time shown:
8:10
